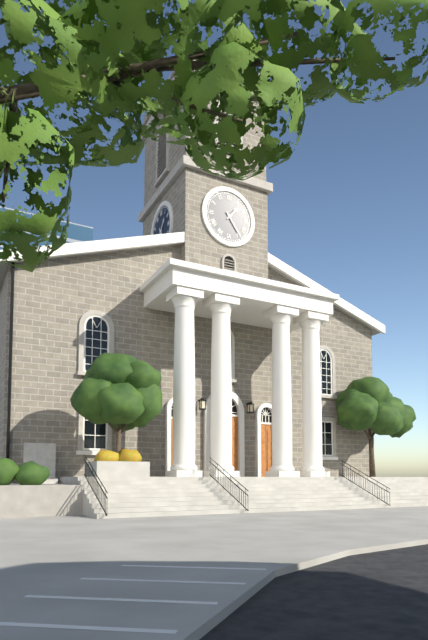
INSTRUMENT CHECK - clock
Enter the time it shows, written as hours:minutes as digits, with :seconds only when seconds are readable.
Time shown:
1:24
